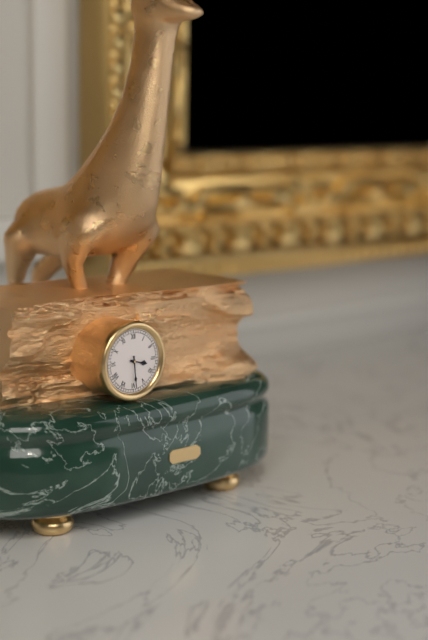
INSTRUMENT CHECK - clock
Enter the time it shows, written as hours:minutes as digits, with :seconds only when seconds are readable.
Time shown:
3:29
